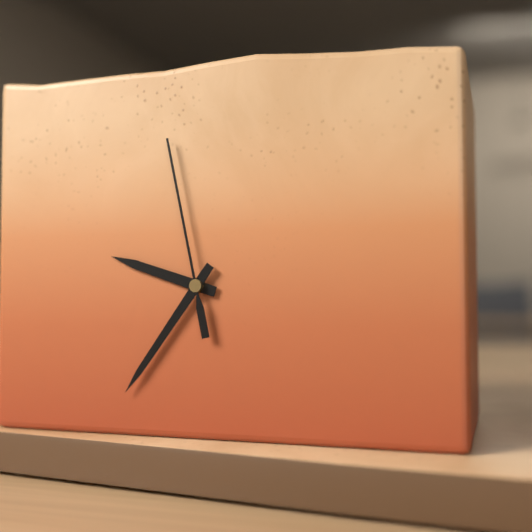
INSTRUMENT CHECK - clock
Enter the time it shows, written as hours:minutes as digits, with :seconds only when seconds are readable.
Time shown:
9:36:58
